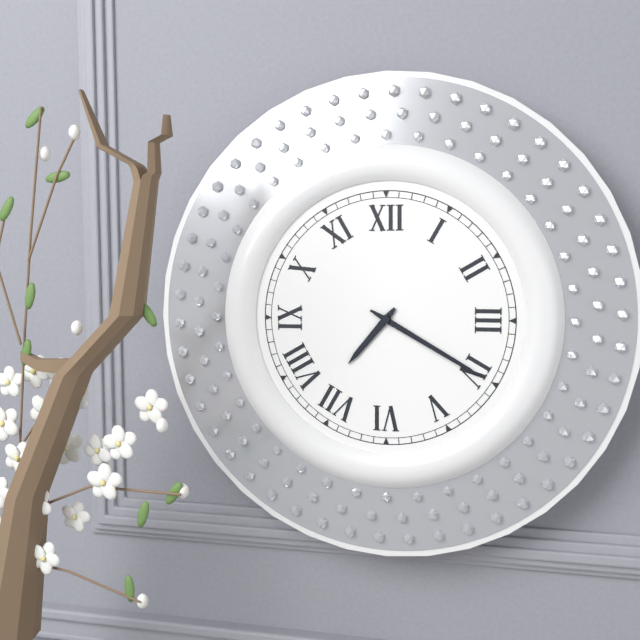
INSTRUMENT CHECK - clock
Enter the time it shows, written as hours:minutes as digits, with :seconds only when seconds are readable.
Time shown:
7:20
